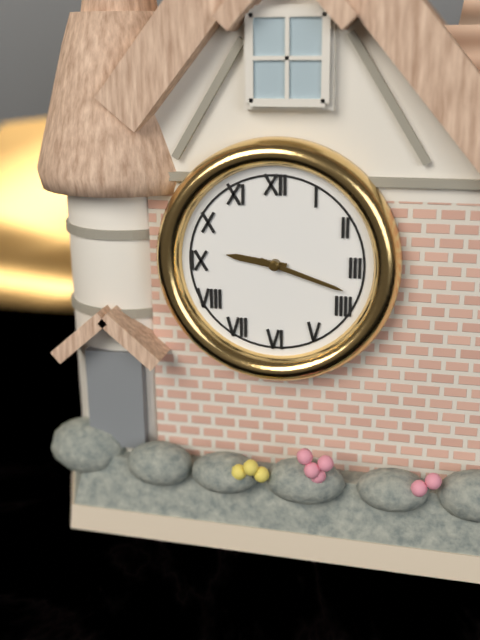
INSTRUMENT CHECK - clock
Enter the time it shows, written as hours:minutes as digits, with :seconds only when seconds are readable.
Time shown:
9:18
